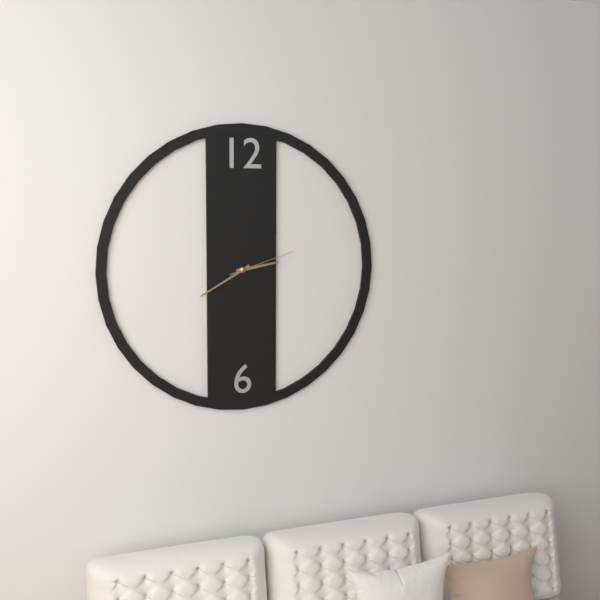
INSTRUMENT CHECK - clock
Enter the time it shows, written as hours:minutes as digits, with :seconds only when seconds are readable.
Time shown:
2:40:12
